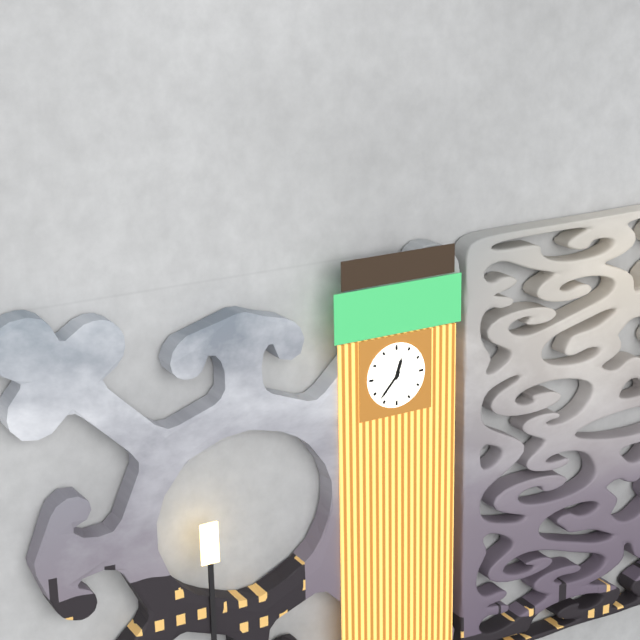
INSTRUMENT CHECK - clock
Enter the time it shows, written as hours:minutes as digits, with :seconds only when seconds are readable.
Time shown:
12:37
